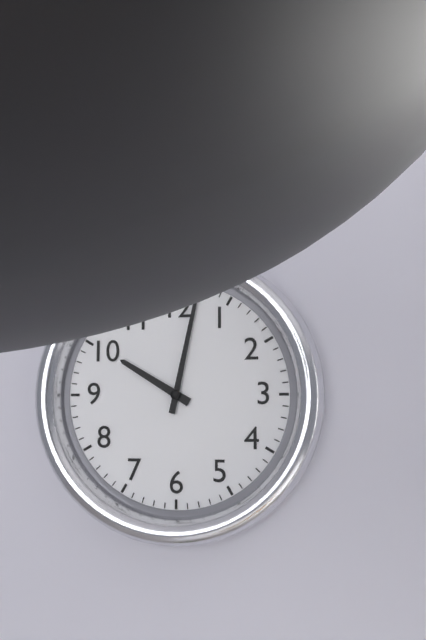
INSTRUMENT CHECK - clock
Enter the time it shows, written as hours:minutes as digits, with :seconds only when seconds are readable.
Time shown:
10:02
